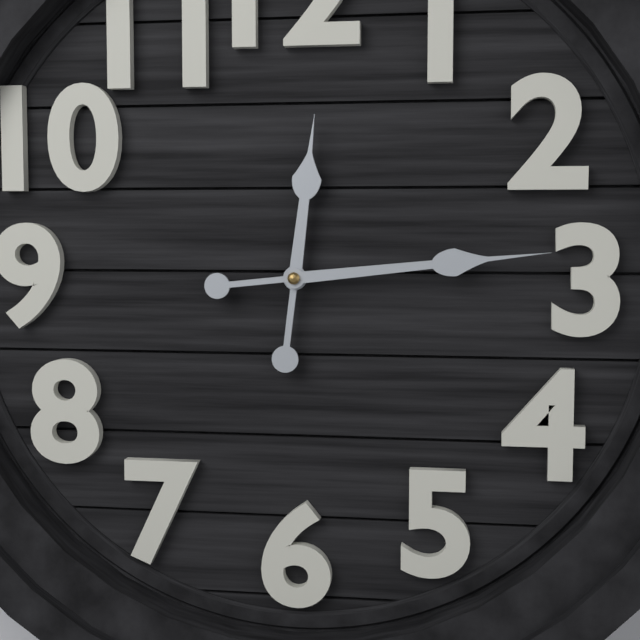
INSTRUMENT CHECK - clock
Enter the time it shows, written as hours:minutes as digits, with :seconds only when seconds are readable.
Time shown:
12:14
